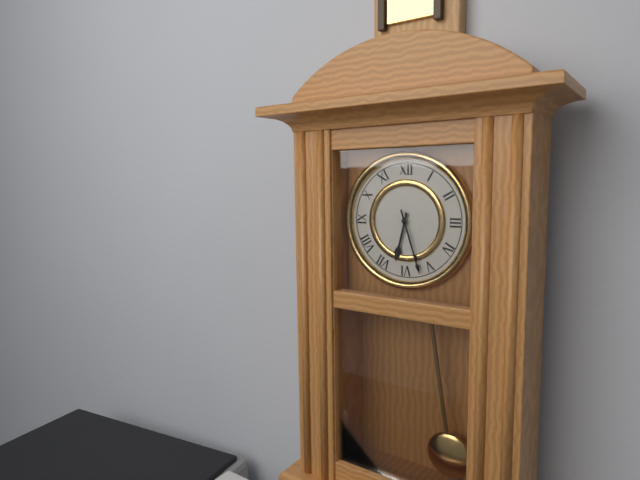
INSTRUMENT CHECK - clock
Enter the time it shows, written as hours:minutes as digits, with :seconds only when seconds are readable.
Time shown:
6:27
